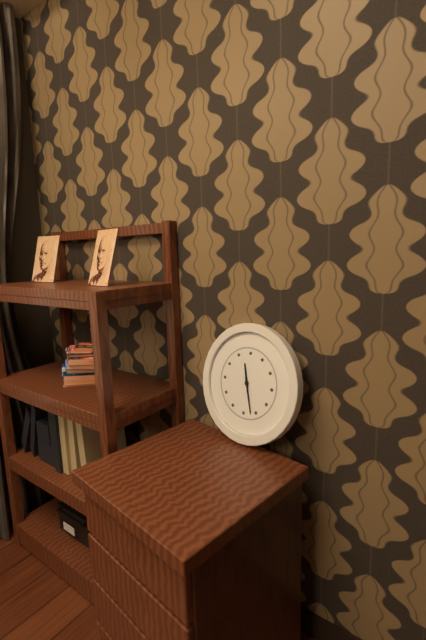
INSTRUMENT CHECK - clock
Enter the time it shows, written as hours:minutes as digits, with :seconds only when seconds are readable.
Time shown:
11:27
